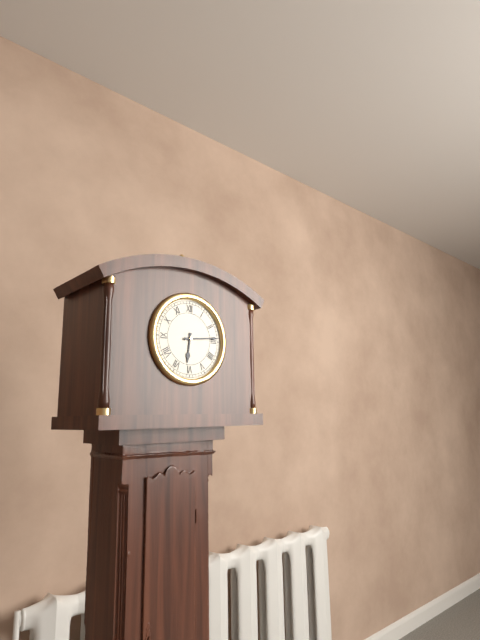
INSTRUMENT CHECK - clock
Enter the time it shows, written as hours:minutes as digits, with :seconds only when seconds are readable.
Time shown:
6:14
